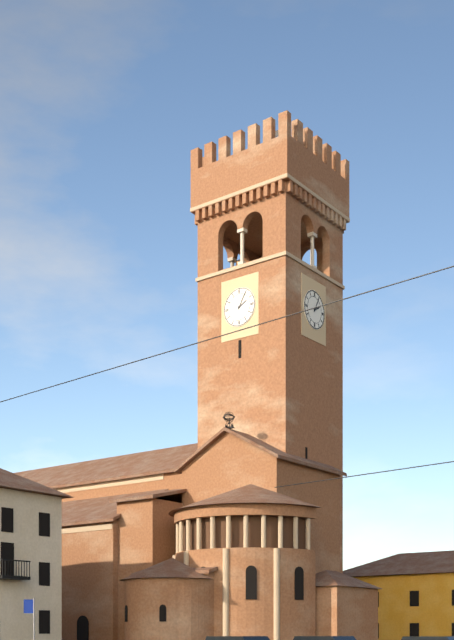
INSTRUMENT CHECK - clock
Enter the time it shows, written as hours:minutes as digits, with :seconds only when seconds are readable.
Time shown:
2:05
